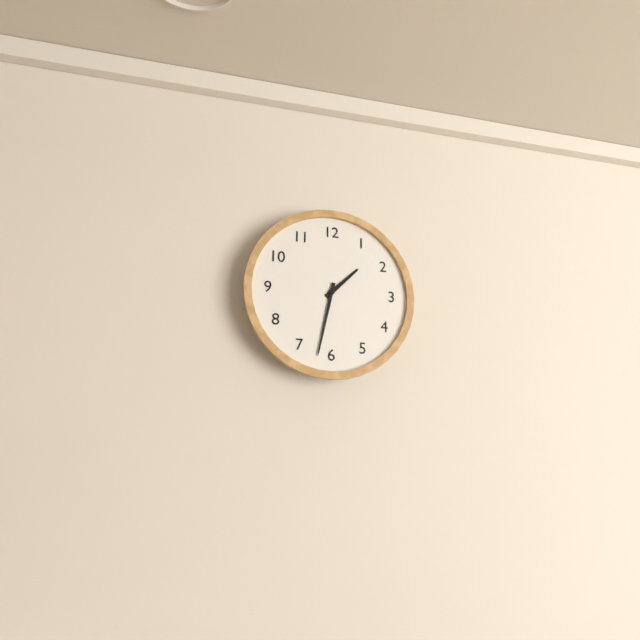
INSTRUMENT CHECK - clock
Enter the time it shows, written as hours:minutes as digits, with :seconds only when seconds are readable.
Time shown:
1:32
